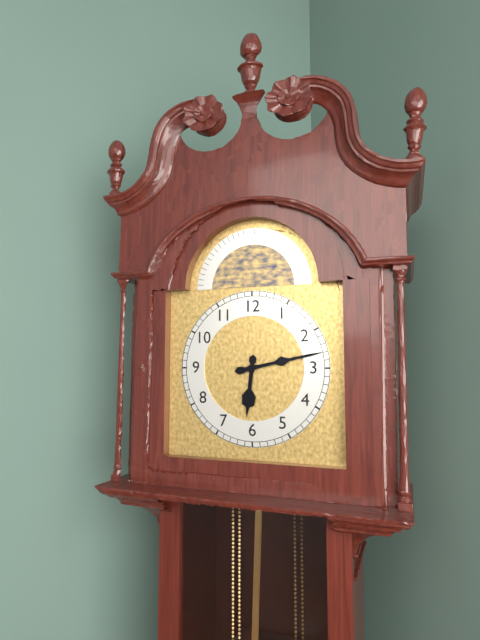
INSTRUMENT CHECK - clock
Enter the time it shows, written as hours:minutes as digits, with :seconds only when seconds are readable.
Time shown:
6:13
